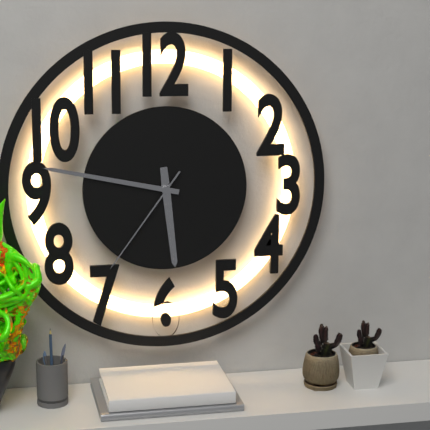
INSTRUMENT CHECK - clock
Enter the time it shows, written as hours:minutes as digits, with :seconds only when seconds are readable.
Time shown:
5:47:36
